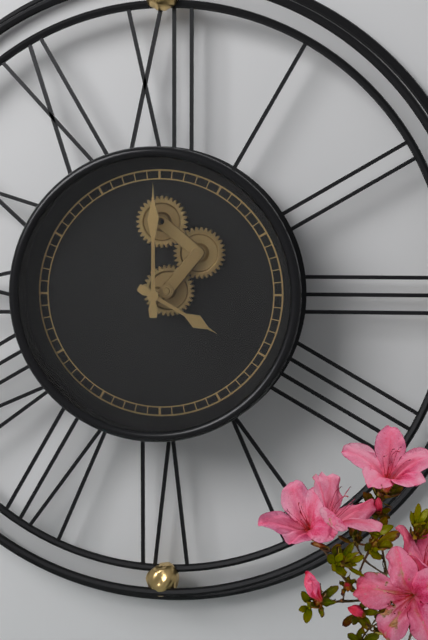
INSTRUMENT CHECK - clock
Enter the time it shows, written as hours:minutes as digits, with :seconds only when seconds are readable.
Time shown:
4:00
